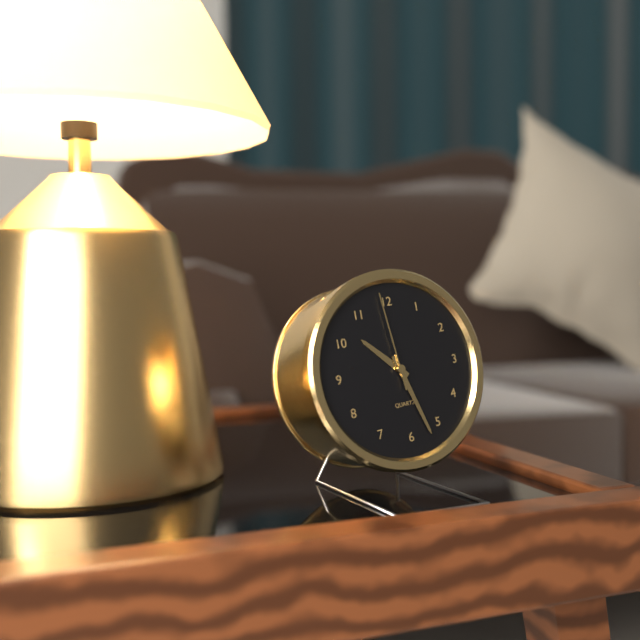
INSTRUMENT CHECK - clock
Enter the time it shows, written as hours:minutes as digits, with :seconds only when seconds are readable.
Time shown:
10:27:59
